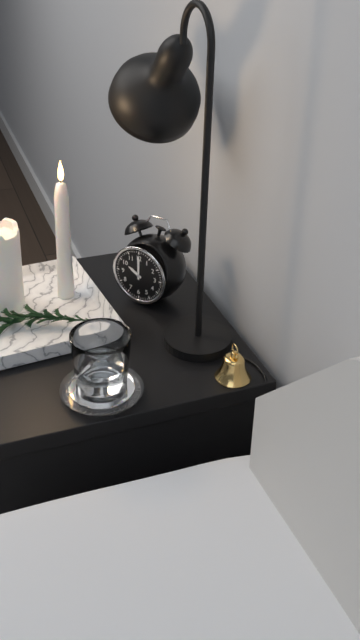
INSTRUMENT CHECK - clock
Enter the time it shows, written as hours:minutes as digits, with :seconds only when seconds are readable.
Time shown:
10:00
